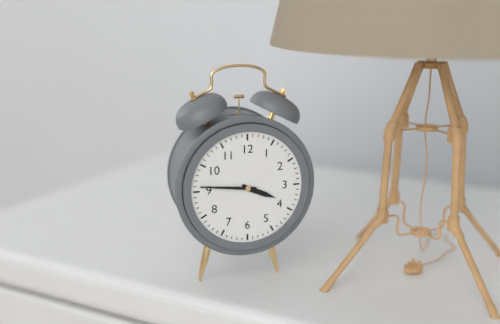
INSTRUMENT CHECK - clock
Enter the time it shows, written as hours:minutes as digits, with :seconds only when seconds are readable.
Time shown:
3:46
